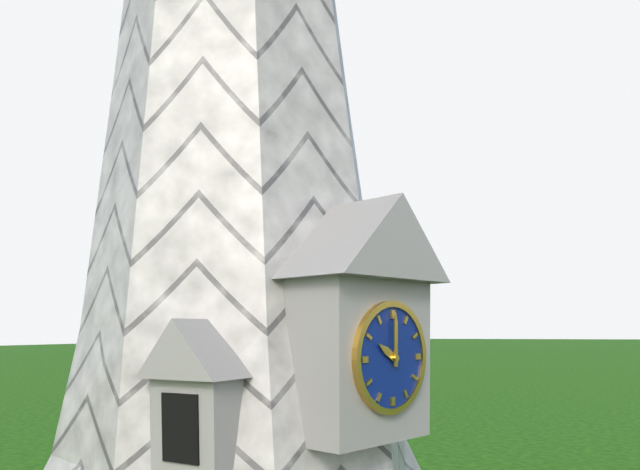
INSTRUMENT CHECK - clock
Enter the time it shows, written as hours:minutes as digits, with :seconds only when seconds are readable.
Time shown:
10:00
